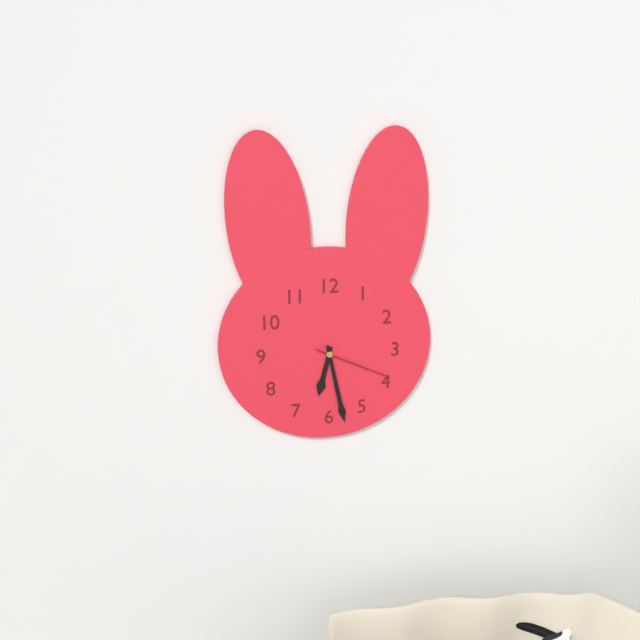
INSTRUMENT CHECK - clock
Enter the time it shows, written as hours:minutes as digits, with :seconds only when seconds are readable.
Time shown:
6:28:19
